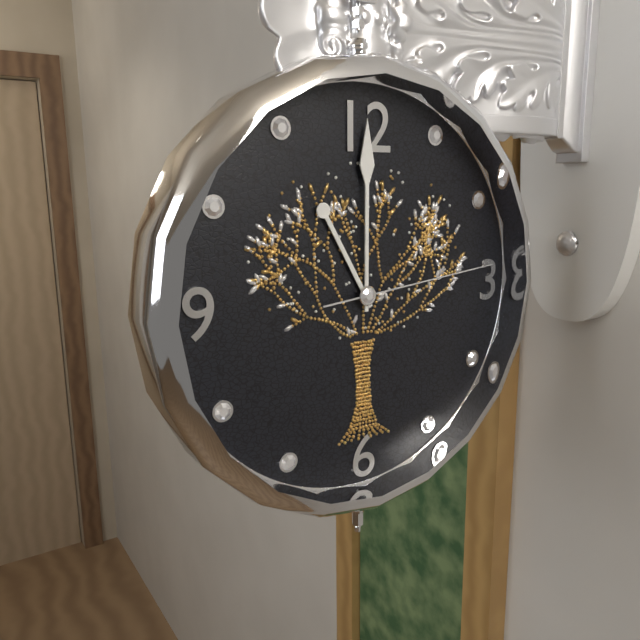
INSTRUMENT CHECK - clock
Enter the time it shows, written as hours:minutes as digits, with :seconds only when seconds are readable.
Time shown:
11:00:14
